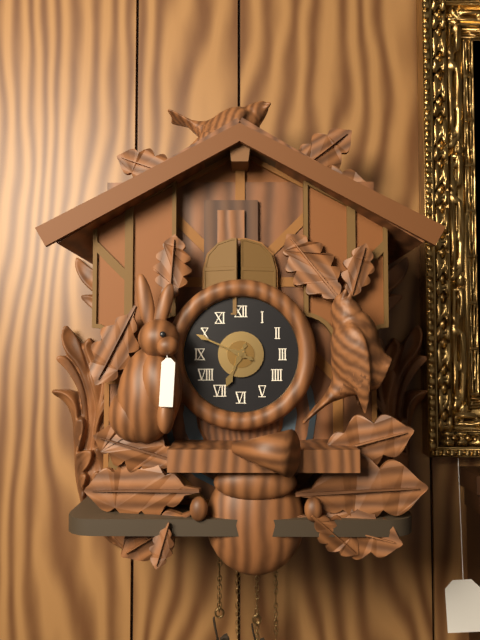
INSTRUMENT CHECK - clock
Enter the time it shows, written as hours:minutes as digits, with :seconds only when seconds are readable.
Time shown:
6:49
